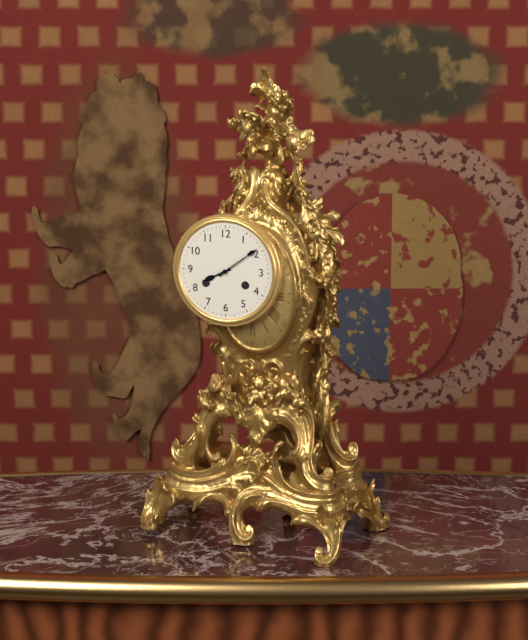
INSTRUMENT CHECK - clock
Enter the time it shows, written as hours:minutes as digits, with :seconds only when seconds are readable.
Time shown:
8:09
